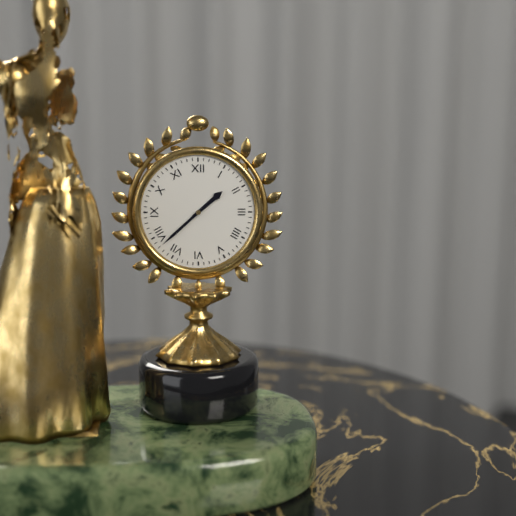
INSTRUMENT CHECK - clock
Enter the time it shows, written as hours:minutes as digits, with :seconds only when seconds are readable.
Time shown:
1:38
